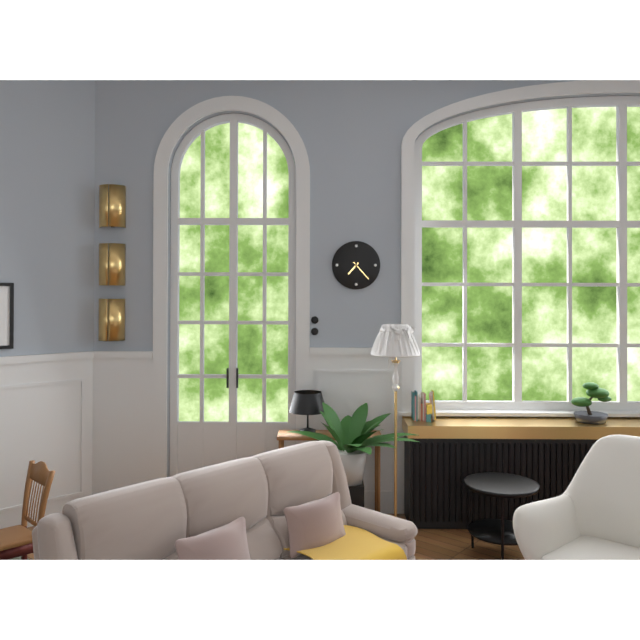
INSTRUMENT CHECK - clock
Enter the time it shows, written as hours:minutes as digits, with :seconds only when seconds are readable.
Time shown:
7:23
